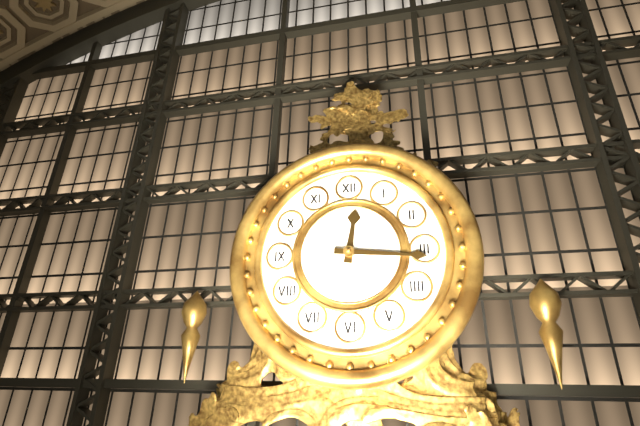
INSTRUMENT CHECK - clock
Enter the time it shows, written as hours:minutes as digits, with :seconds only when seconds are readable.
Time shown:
12:16
